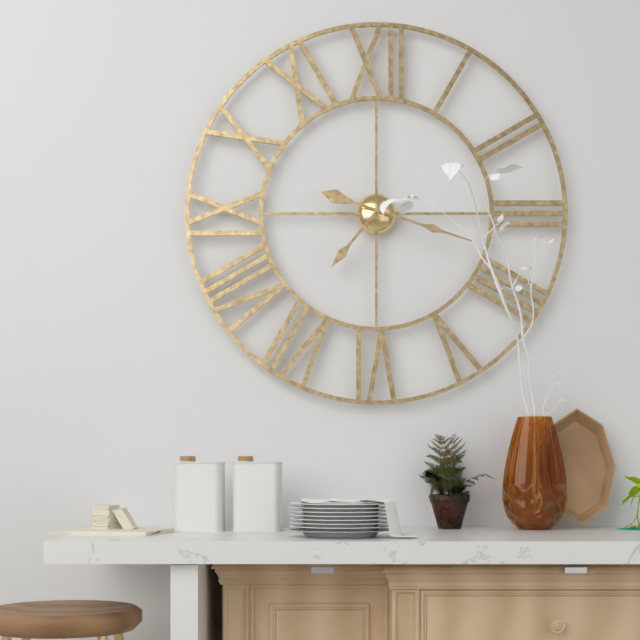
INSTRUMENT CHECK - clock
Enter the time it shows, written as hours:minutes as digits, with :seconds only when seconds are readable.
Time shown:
7:18
